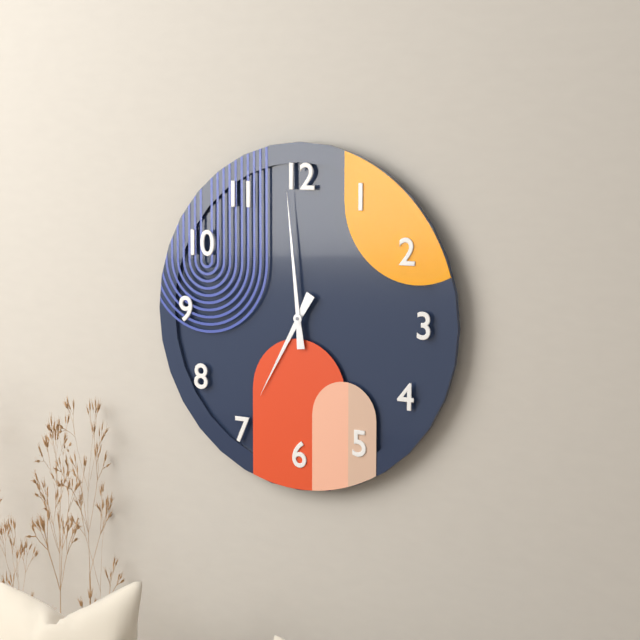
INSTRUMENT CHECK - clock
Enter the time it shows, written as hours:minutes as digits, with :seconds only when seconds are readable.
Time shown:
6:59
